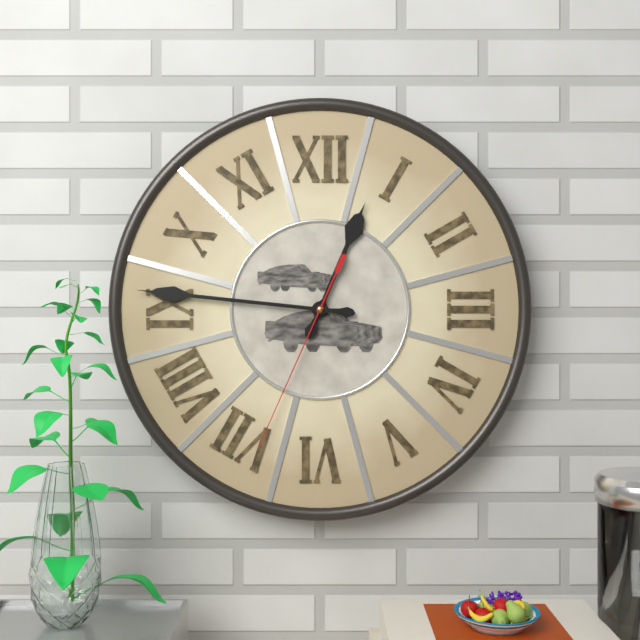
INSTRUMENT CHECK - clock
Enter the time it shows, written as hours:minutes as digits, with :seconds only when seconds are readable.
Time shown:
12:46:34
